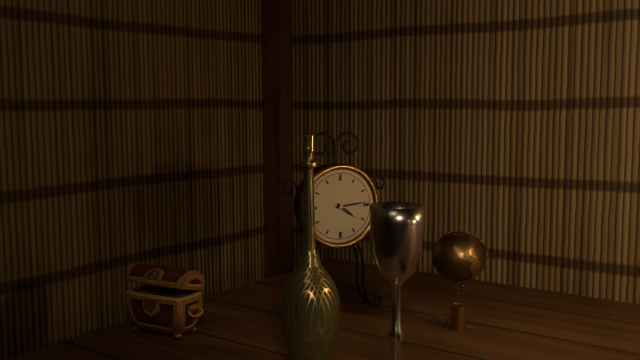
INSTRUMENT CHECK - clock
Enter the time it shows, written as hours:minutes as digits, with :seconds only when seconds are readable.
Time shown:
4:14
